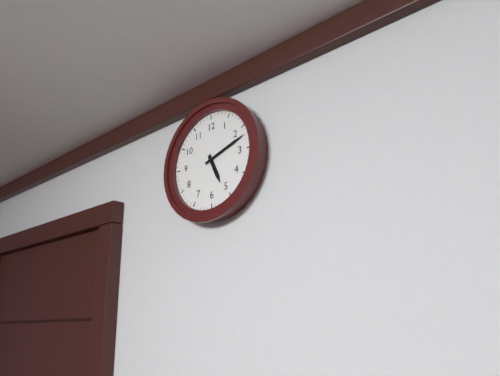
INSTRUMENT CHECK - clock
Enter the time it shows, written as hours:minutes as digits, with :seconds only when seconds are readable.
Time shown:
5:12
